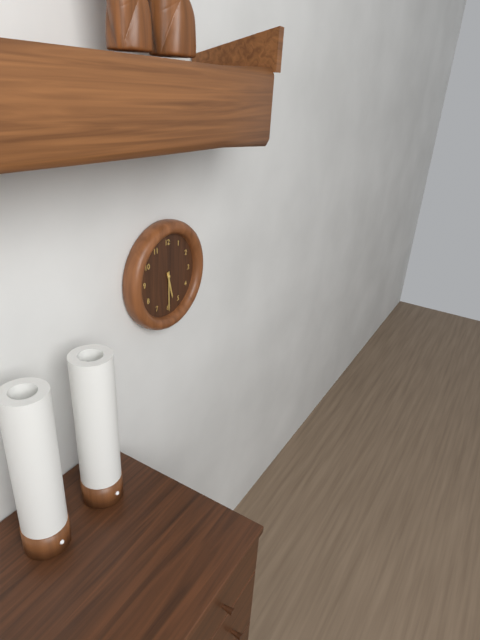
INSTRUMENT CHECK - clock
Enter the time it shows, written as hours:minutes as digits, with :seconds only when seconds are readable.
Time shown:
5:30
